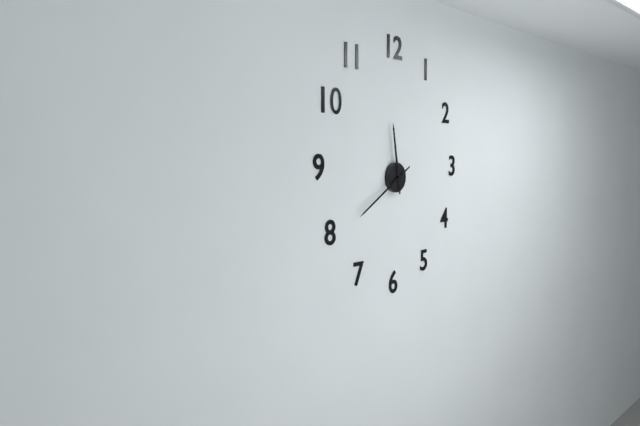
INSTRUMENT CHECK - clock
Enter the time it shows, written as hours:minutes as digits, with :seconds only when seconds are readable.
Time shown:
11:40
